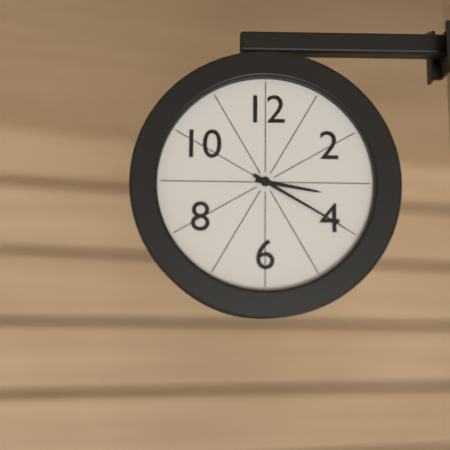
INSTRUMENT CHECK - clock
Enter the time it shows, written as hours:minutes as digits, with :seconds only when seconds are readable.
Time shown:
3:20
